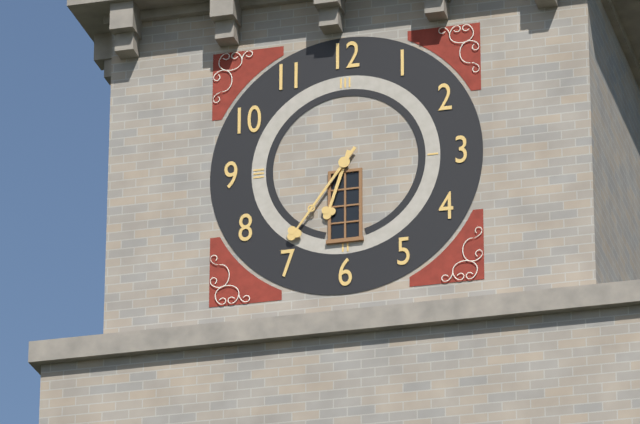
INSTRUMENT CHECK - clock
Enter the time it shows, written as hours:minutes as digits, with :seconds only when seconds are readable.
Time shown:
6:36
